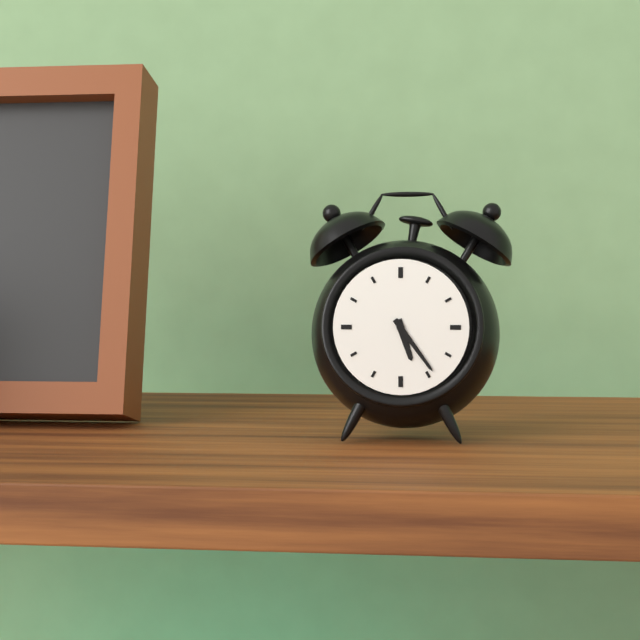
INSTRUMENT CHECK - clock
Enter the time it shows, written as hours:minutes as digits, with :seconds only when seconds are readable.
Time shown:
5:24
